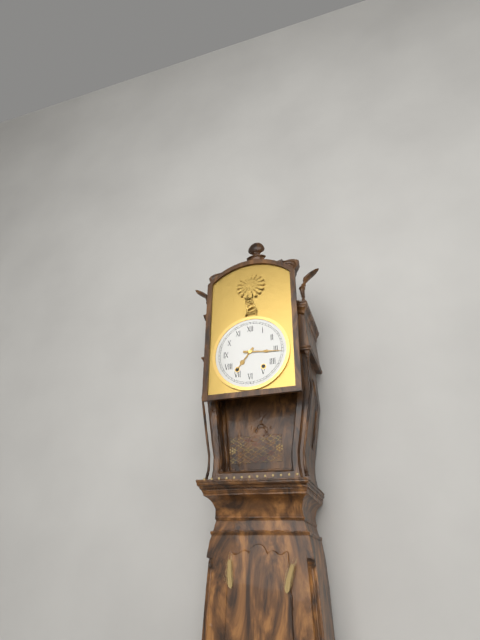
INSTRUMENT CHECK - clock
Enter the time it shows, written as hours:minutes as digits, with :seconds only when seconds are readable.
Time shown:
7:16
